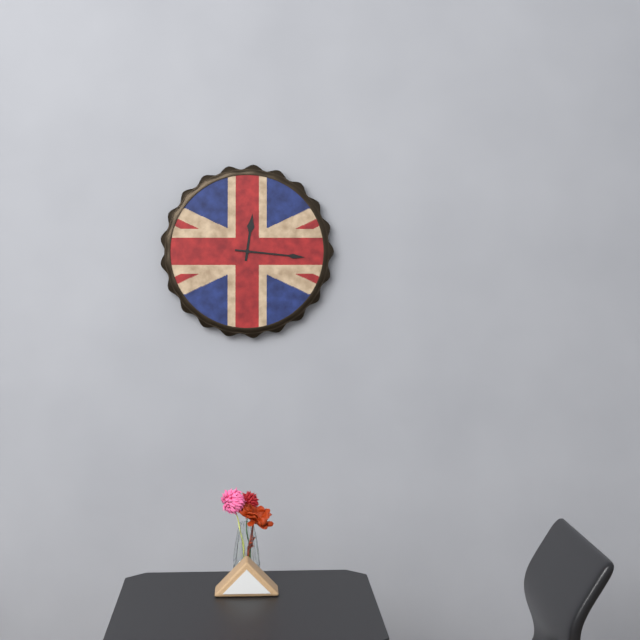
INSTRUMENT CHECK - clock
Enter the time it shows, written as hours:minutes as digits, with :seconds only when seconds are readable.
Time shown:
12:16
